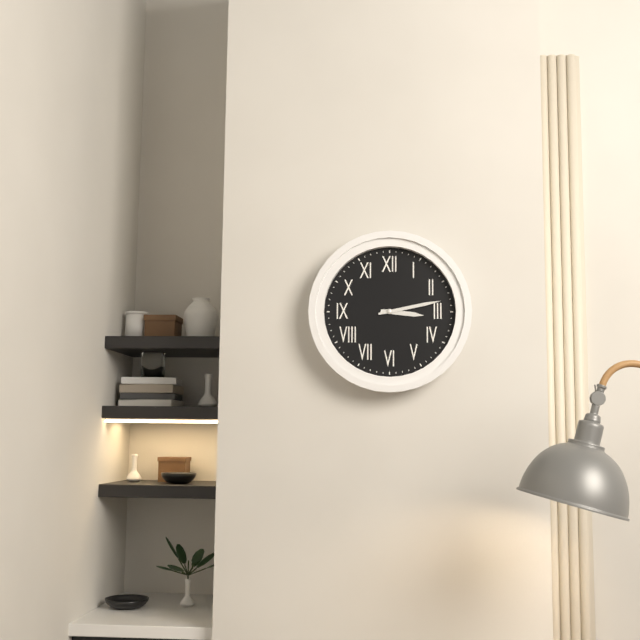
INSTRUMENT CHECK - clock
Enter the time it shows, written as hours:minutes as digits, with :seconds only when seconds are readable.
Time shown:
3:13
